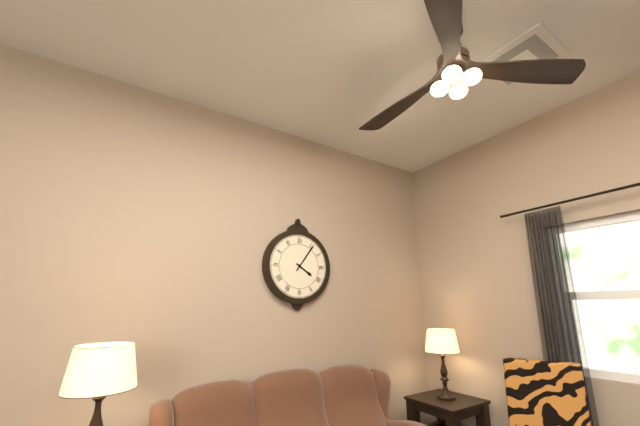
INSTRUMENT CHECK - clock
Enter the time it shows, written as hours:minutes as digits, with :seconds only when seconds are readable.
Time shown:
4:06
